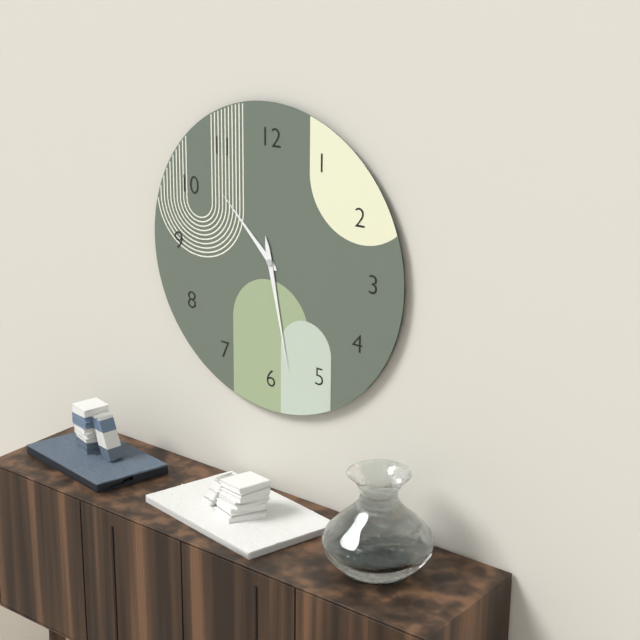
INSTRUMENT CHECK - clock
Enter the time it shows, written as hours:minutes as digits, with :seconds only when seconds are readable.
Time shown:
10:28
